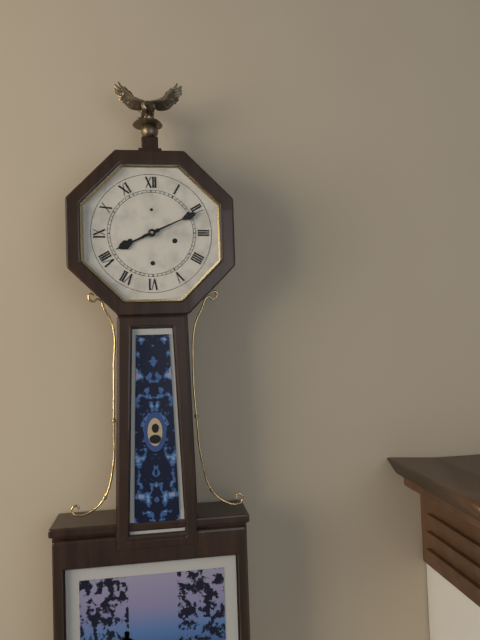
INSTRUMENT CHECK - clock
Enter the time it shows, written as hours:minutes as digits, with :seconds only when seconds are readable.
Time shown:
8:11
